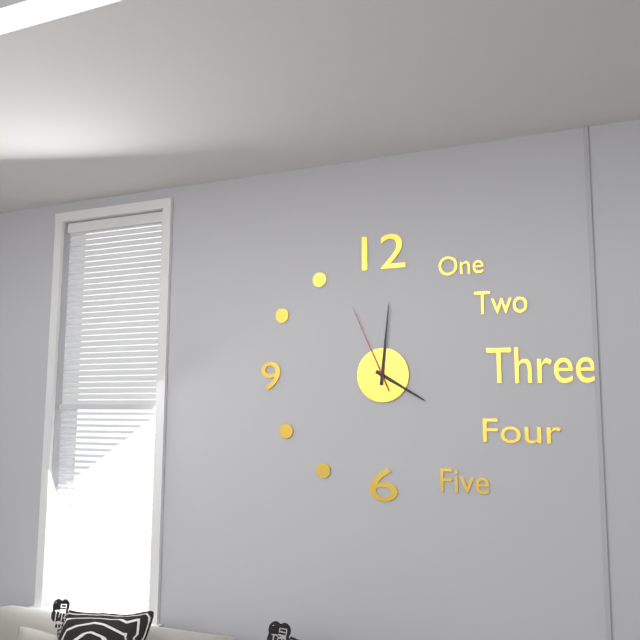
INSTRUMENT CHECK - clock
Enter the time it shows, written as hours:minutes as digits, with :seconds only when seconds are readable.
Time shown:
4:01:56
